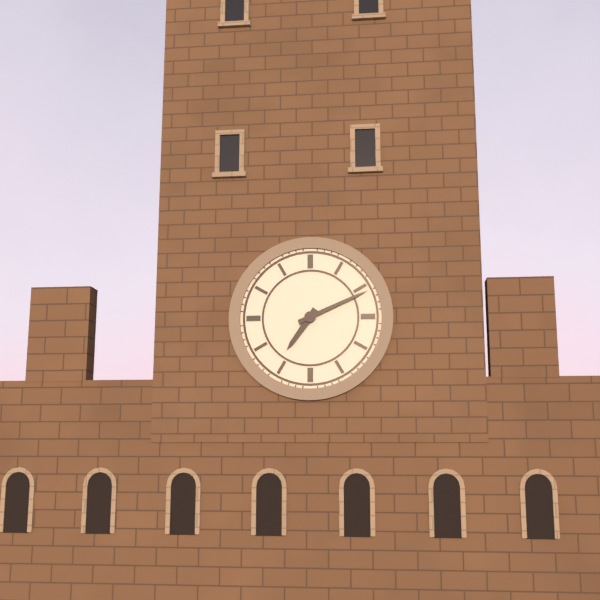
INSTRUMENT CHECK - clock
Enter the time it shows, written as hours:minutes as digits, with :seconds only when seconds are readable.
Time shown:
7:11
